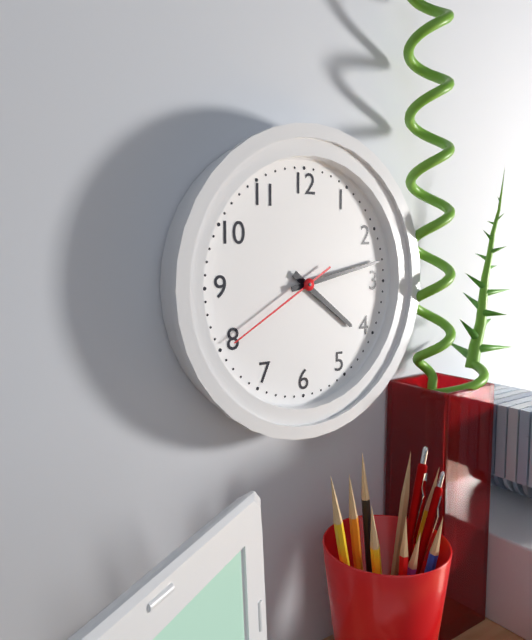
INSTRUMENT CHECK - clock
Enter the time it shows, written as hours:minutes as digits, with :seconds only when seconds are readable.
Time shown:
4:13:40
